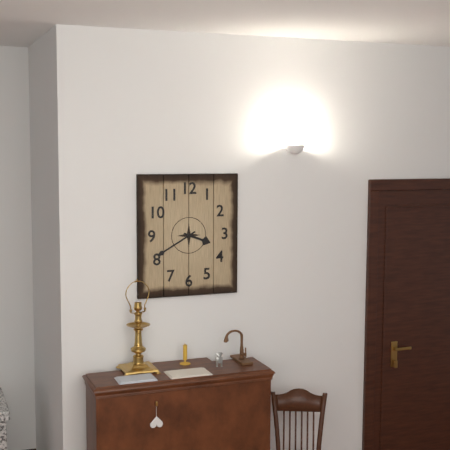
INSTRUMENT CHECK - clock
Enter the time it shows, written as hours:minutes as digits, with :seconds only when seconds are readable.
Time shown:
3:40
